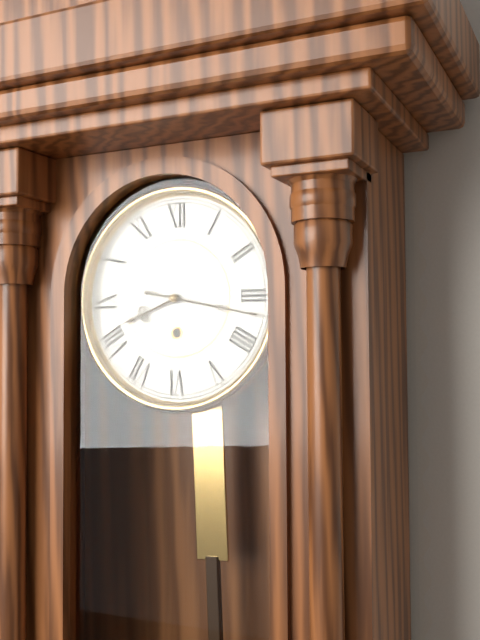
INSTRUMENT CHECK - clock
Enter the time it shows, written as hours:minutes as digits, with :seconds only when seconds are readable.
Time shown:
8:17
